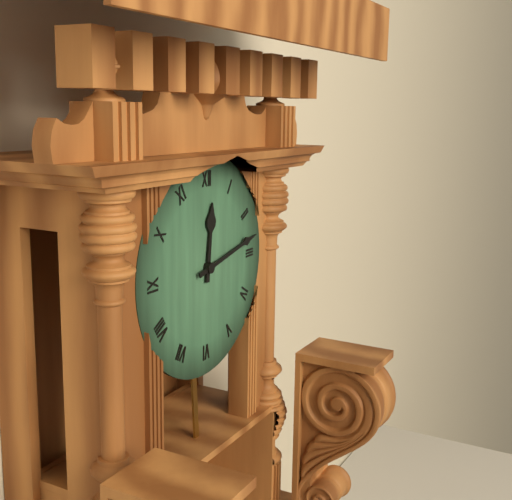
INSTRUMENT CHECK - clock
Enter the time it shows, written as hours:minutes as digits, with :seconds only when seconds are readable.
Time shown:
12:13
